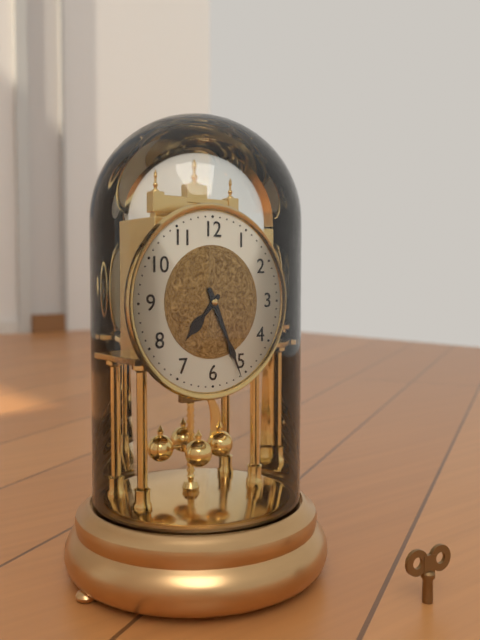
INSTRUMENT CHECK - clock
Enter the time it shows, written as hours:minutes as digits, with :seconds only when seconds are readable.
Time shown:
7:26
